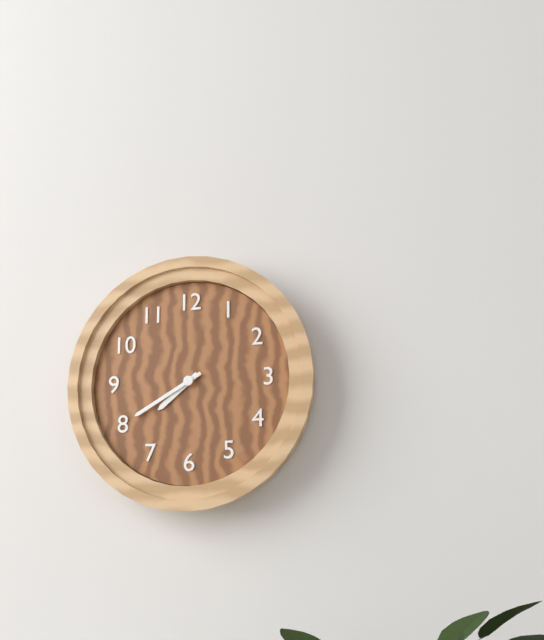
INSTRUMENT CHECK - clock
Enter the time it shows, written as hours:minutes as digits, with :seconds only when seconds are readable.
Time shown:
7:40
